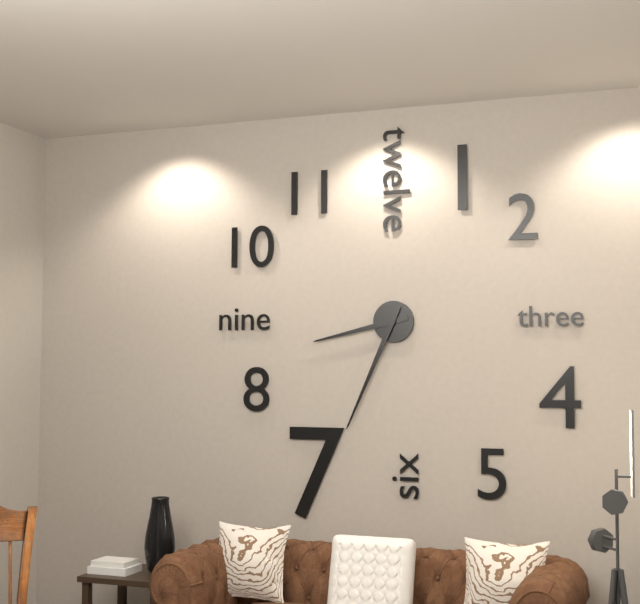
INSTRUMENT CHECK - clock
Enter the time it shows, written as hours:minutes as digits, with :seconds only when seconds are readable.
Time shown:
8:34
